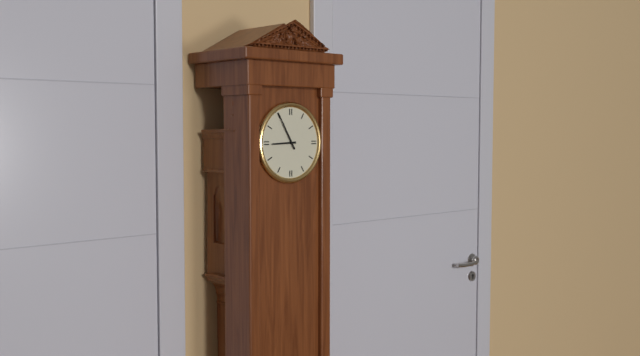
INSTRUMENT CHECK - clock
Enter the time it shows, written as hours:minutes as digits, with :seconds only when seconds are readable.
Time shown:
8:55
